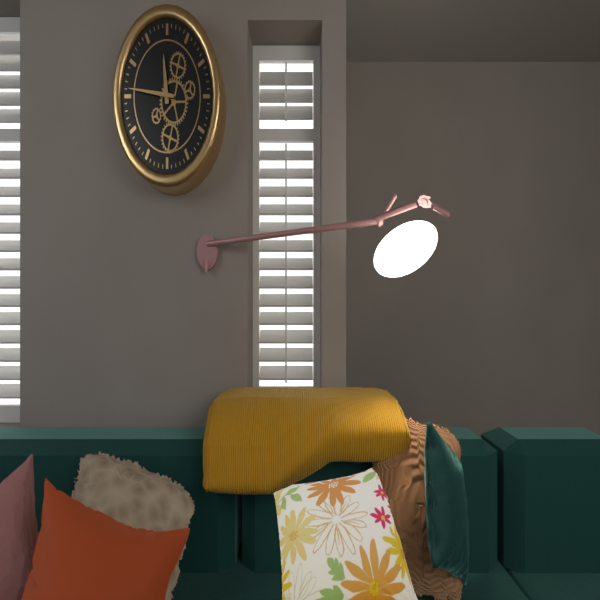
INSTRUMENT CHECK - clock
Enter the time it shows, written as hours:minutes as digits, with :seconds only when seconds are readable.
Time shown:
11:46
